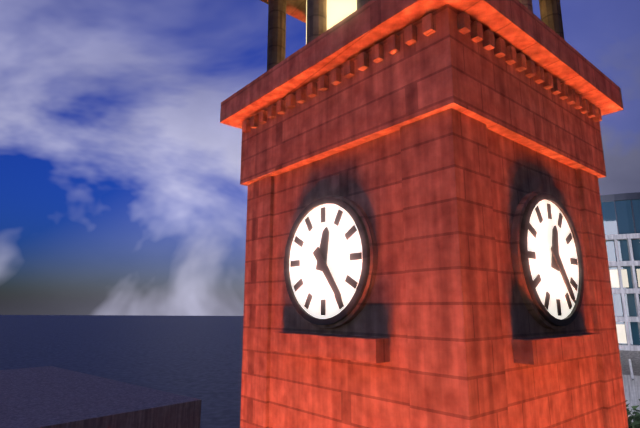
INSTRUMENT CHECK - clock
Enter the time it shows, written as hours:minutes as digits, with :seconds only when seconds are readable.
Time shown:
12:24
